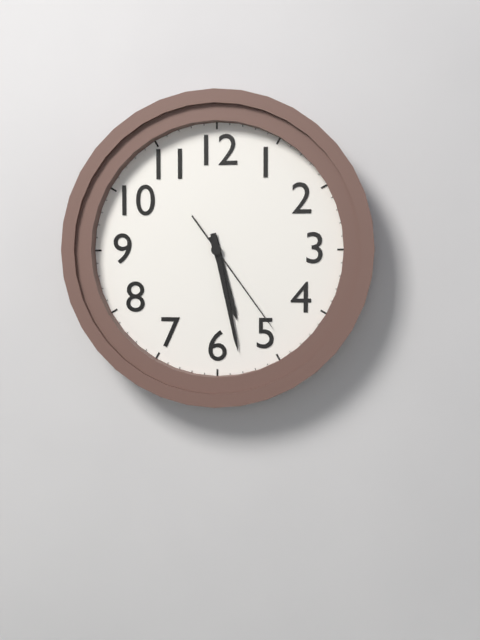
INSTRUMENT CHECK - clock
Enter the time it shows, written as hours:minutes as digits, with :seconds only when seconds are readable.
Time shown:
5:28:24
